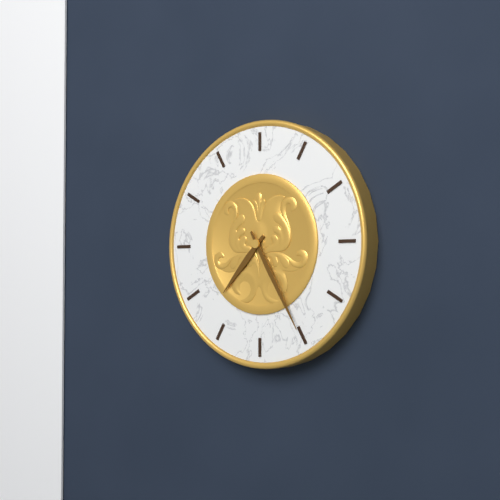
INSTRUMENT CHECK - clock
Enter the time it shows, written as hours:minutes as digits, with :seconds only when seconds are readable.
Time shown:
7:25
